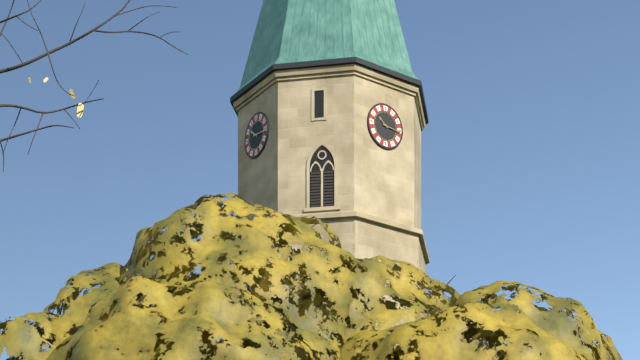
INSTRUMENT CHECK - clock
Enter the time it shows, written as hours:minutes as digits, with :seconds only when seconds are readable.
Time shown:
10:16
